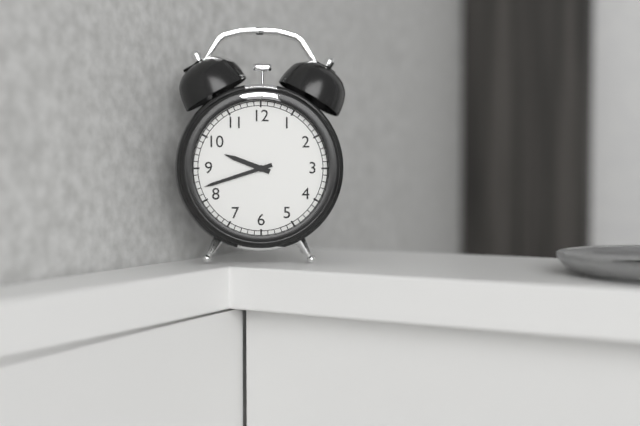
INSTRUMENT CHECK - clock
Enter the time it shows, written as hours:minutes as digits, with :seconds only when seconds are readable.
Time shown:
9:42
